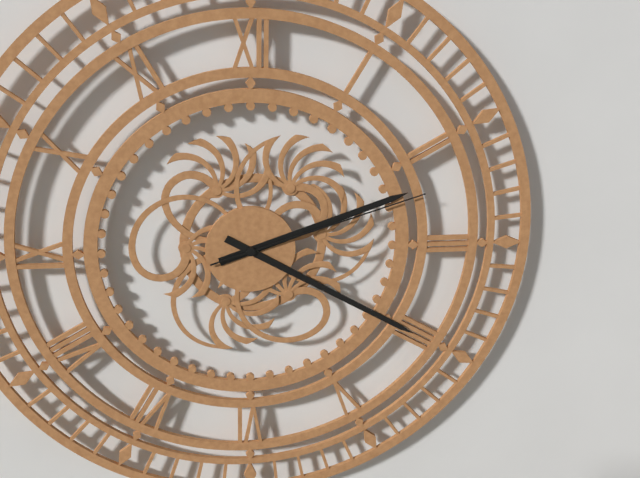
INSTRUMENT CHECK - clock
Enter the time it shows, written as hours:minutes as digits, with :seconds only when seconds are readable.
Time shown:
2:20:12
